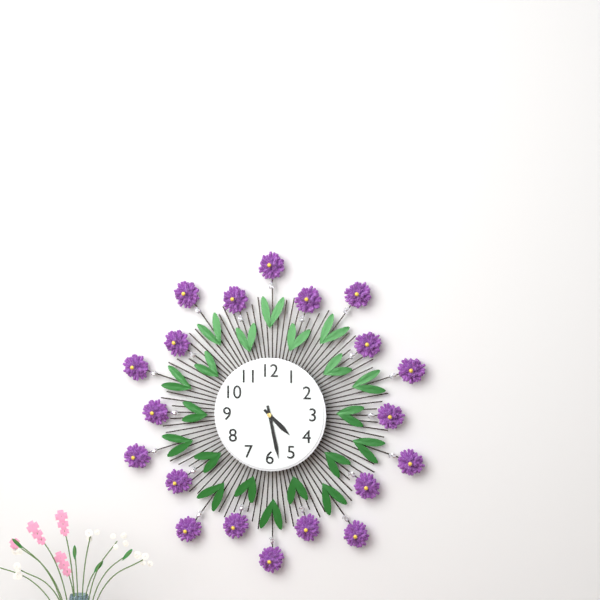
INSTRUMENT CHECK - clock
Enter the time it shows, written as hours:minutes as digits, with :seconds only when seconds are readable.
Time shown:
4:28
